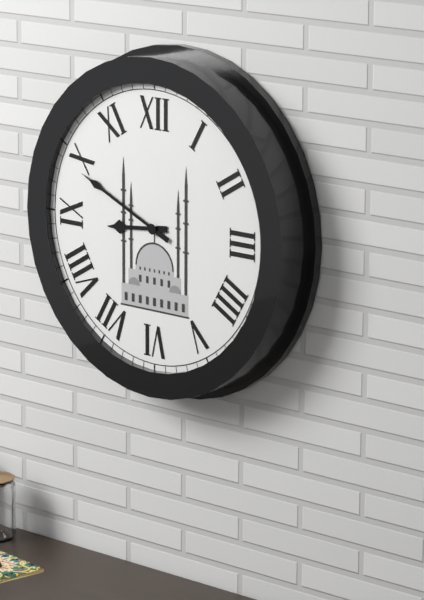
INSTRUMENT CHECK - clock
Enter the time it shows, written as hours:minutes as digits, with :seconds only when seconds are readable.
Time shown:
8:49
